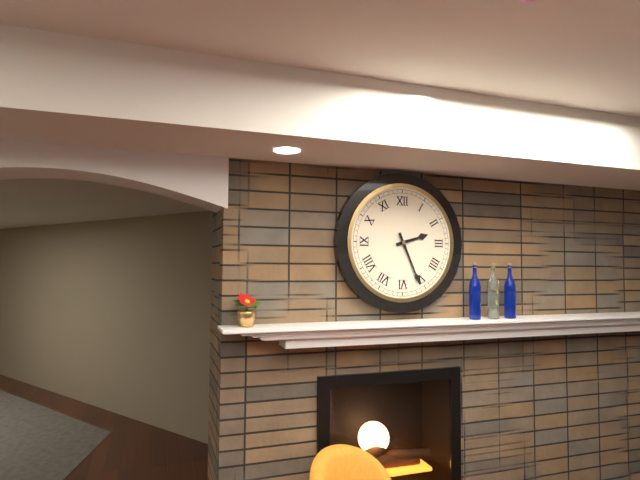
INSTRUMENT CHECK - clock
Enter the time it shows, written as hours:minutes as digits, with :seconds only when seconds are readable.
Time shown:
2:26
